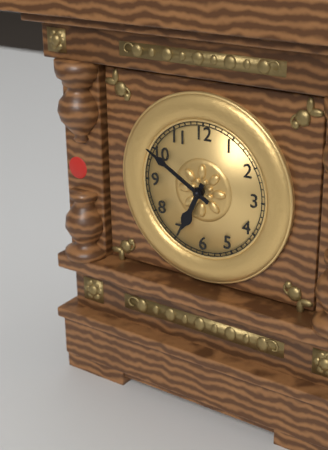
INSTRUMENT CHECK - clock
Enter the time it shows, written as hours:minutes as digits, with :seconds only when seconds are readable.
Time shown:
6:50
